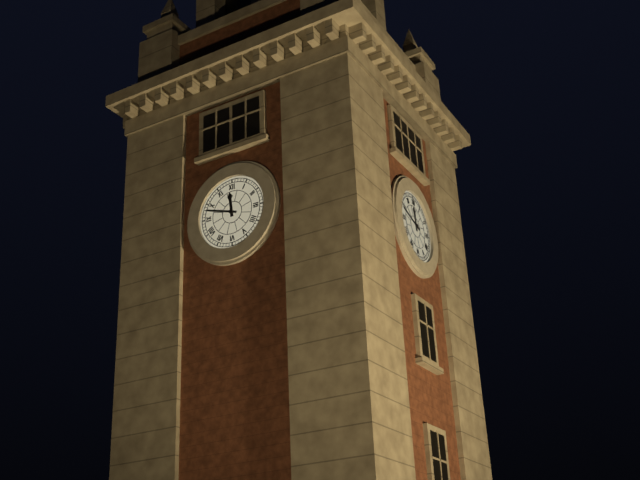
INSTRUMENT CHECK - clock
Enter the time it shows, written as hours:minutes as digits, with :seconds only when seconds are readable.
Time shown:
11:48
